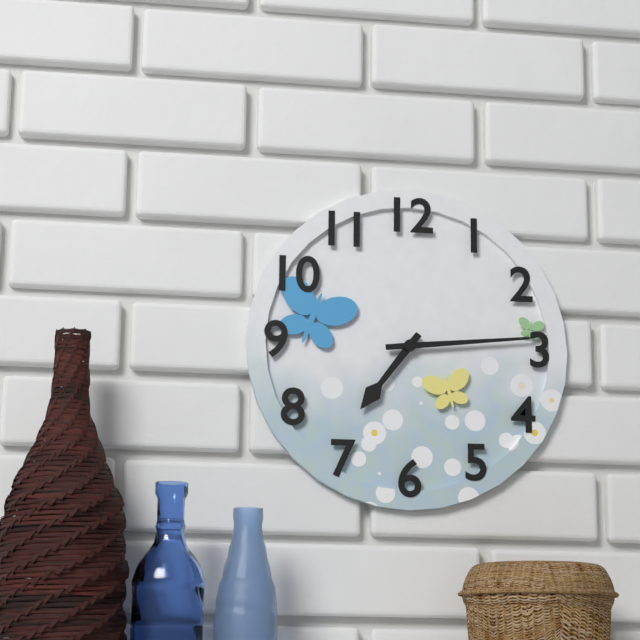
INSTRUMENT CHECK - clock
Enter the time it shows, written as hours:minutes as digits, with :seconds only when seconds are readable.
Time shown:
7:14
